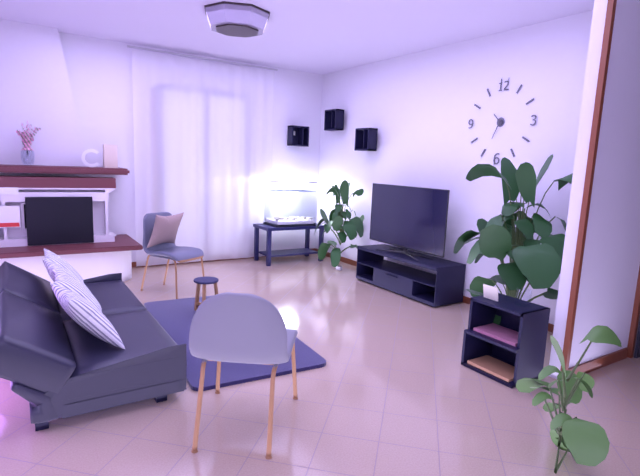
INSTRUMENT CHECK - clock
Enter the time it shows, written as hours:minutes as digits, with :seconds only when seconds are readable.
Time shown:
10:34
